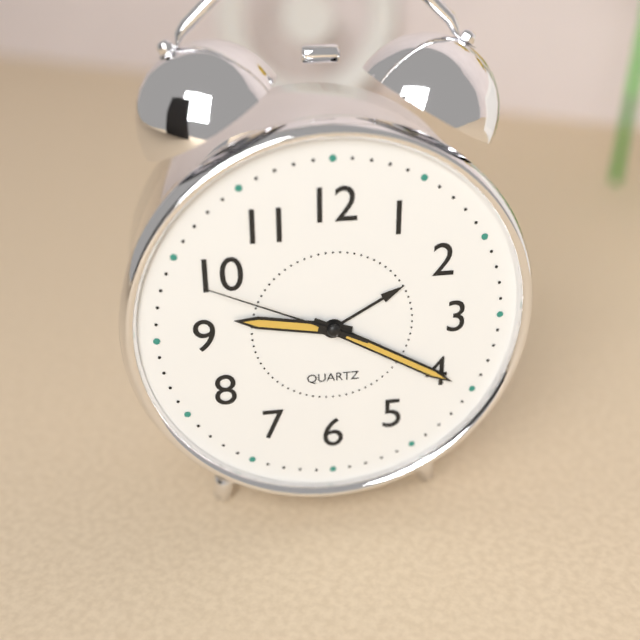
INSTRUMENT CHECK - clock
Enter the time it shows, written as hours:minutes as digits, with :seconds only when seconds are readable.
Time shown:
9:20:49
